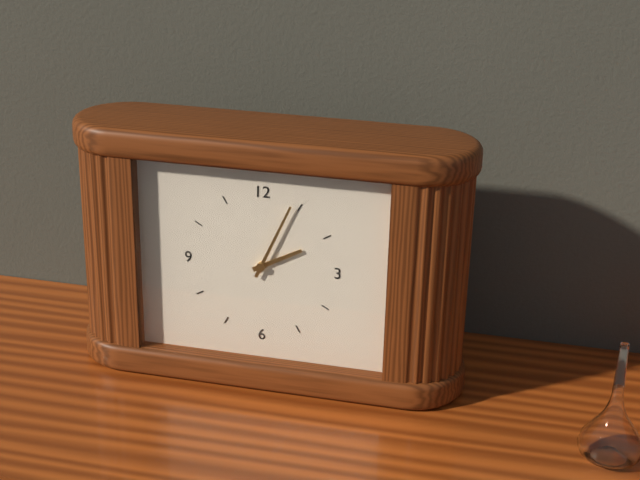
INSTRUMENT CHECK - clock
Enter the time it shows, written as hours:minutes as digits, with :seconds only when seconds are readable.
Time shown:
2:04
